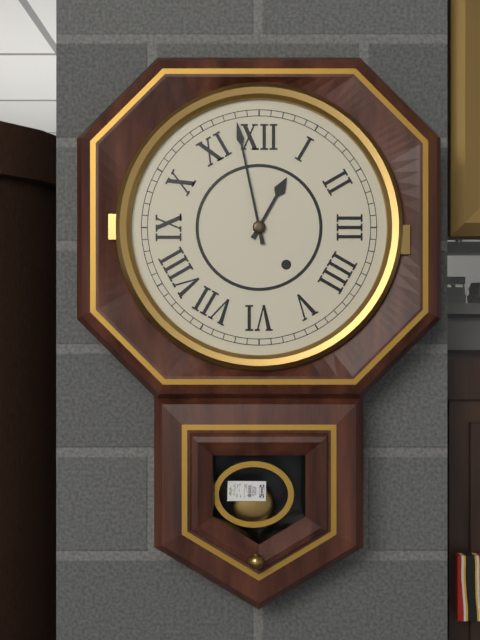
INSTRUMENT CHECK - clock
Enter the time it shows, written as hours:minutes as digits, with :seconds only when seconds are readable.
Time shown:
12:58
